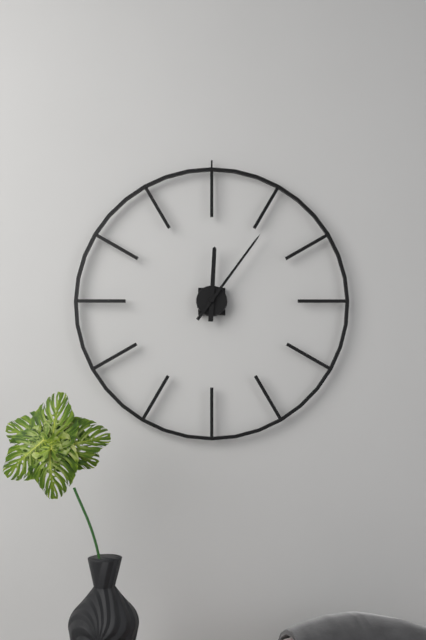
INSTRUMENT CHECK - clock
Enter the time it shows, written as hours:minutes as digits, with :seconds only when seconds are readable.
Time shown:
12:06
